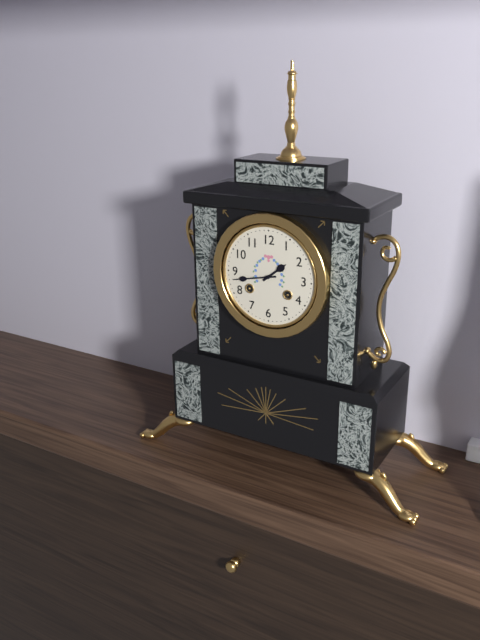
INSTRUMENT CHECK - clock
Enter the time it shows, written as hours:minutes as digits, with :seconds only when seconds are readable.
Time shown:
1:43
